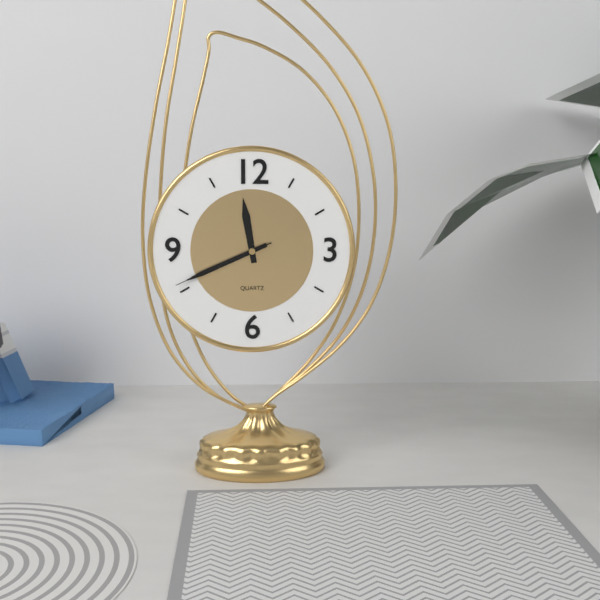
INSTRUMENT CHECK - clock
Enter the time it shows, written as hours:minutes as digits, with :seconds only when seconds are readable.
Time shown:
11:41:41
